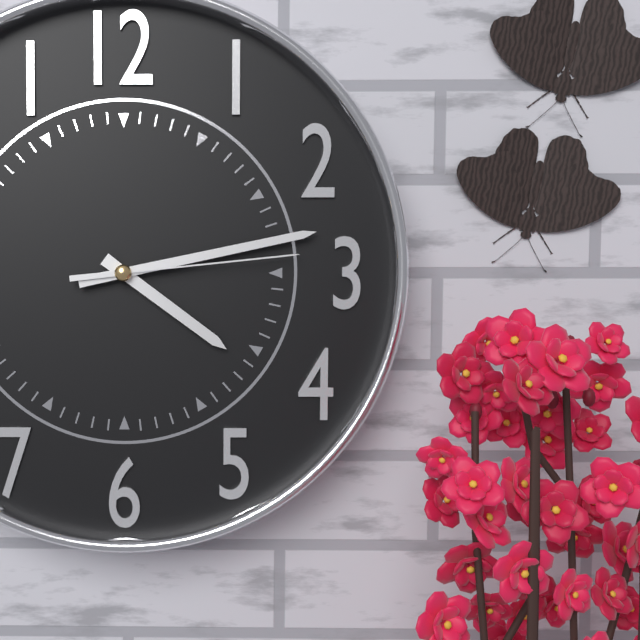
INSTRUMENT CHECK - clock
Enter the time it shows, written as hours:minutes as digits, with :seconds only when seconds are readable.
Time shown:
4:13:14
